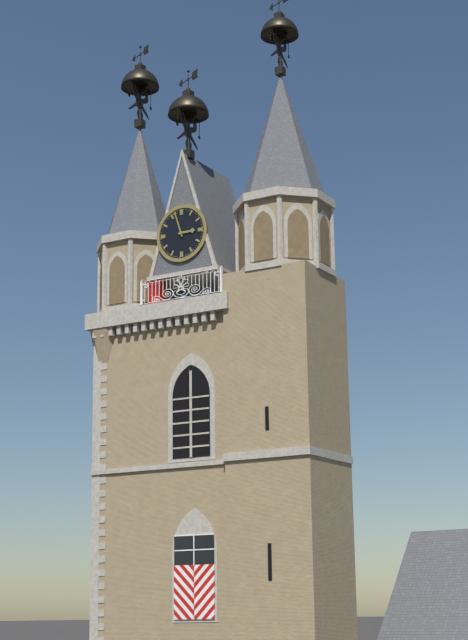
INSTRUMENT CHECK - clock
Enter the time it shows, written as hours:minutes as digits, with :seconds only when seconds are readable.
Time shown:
2:57
